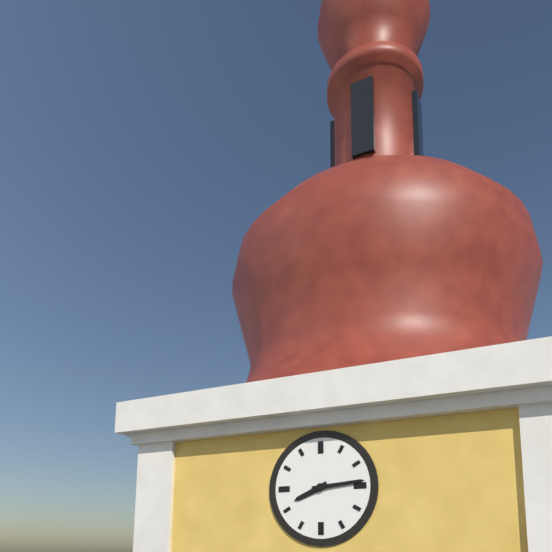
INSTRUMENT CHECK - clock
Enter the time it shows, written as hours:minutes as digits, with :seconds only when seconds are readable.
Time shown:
8:14
